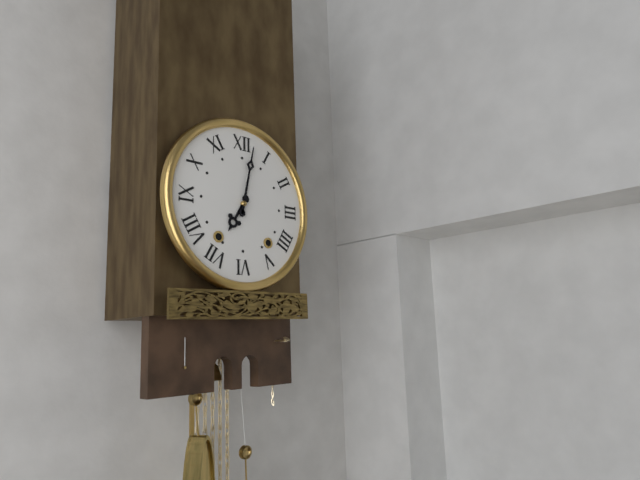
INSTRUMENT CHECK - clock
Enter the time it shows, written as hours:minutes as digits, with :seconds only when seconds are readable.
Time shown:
7:02
